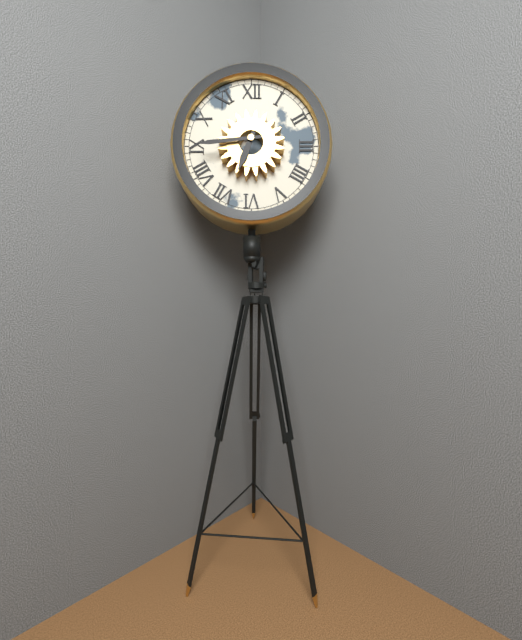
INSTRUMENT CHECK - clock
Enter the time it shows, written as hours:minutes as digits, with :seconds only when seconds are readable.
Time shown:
6:44
